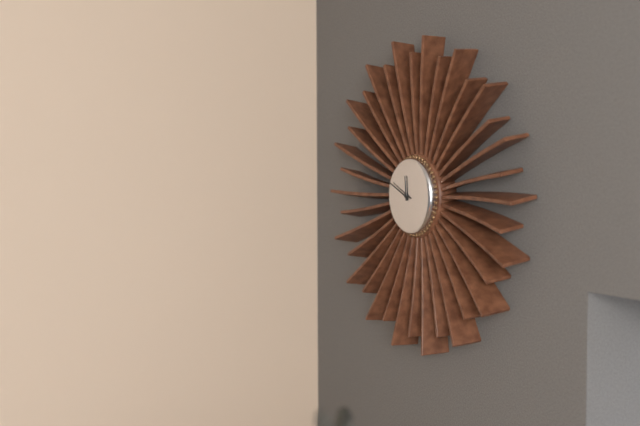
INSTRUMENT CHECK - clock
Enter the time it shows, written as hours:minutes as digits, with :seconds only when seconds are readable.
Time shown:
11:49
